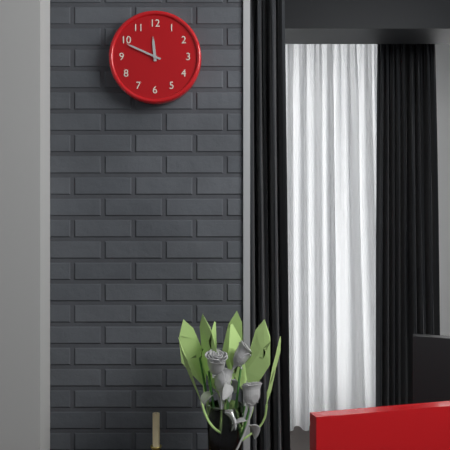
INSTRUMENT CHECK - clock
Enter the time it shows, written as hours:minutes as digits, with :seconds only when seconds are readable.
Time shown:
11:49
